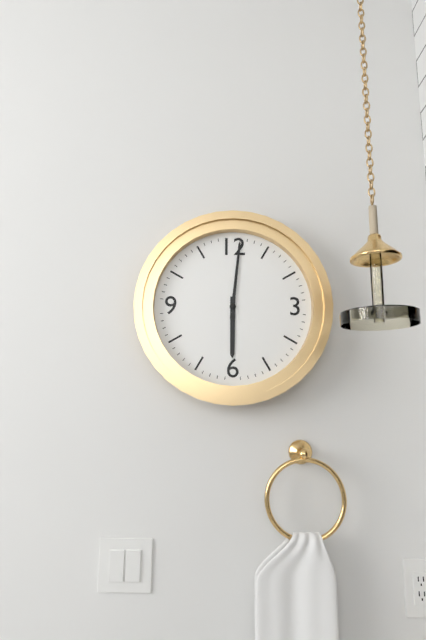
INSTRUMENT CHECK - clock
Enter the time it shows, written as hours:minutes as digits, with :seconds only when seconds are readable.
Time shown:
6:01
